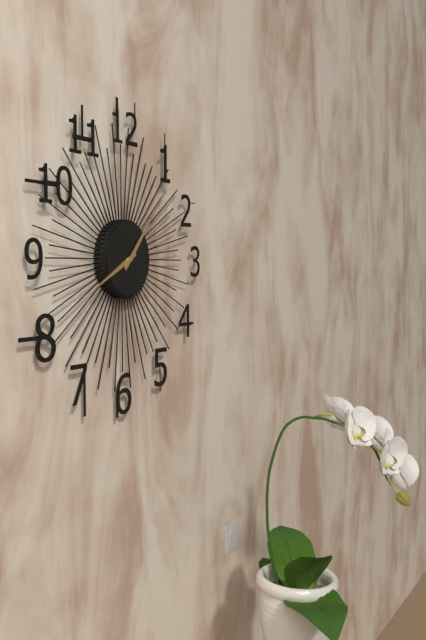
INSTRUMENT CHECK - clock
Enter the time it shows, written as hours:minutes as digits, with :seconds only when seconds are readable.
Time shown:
8:07
